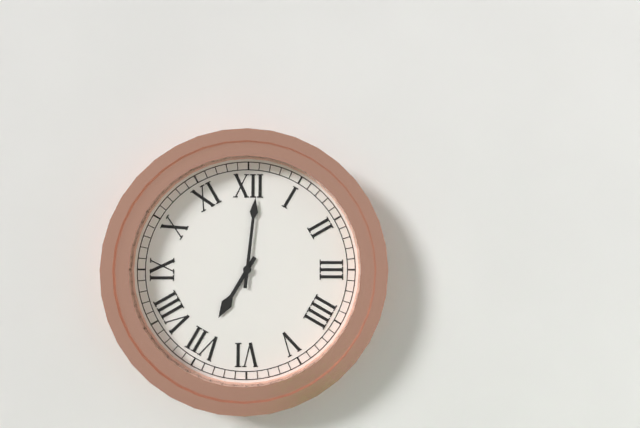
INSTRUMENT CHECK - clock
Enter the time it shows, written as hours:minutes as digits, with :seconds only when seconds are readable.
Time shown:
7:01
